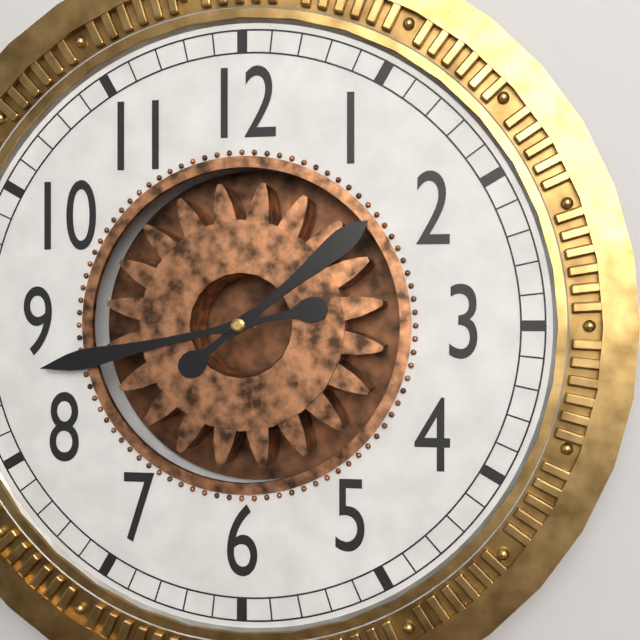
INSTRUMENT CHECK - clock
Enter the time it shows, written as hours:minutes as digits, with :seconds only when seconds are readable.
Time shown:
1:43
